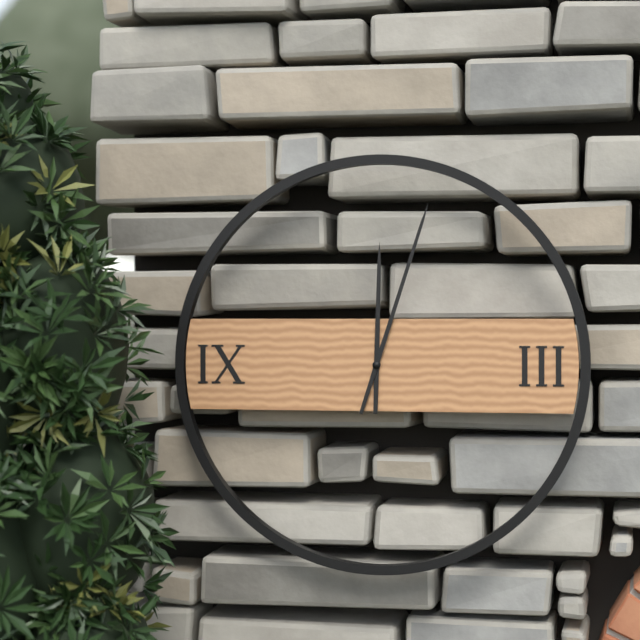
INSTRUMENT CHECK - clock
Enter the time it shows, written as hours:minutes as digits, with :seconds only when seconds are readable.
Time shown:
12:03
